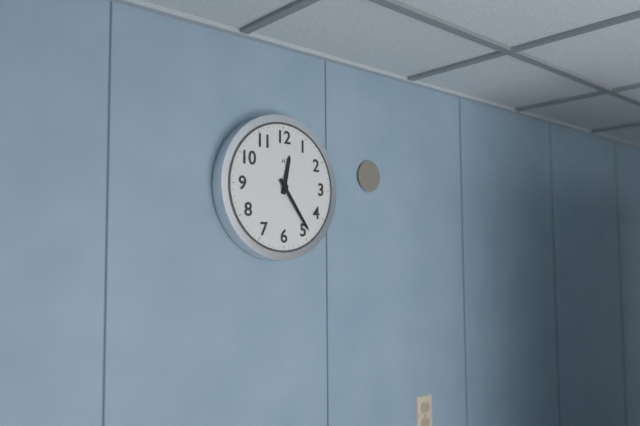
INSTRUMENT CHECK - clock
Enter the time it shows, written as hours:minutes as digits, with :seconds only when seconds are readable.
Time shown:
12:24
